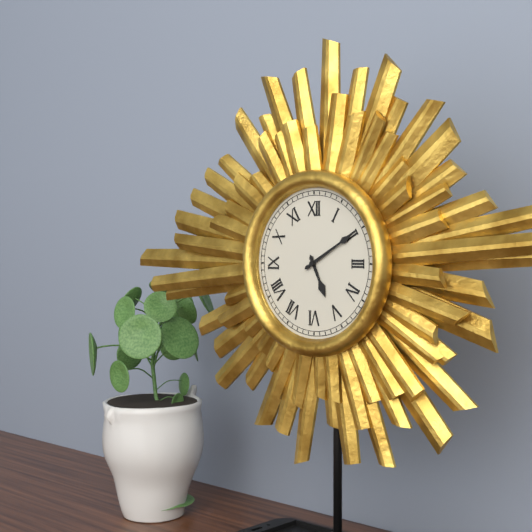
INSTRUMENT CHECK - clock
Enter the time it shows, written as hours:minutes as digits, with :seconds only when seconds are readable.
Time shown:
5:10
